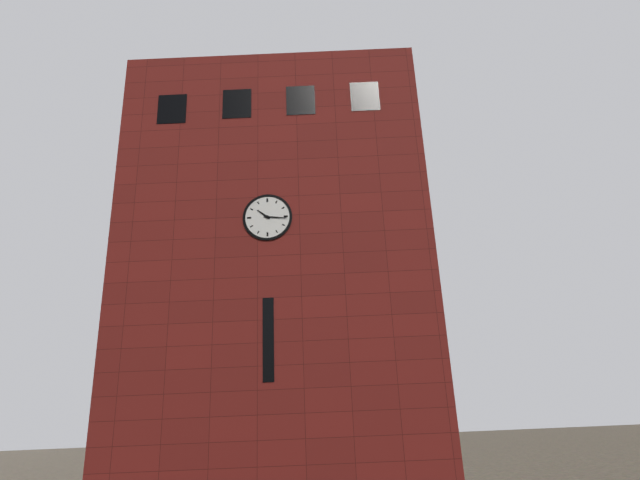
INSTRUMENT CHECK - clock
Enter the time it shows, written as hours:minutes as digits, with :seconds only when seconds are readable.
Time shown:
10:16
